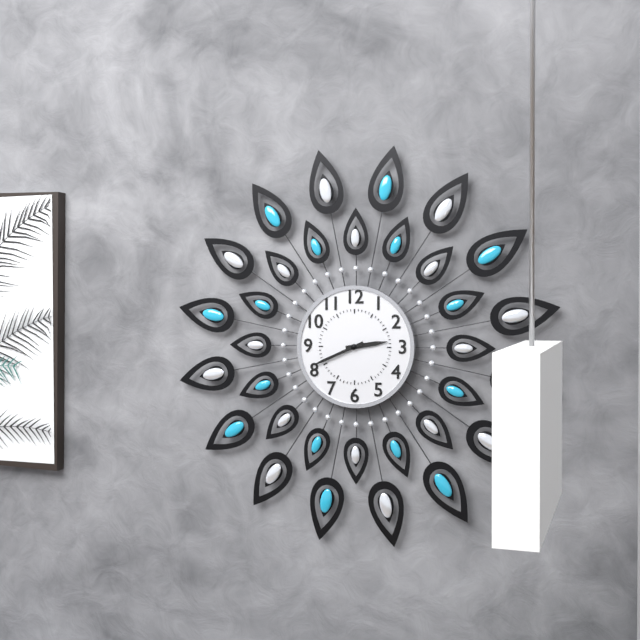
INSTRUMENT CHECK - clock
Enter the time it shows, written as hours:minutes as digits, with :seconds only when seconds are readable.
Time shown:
2:41
